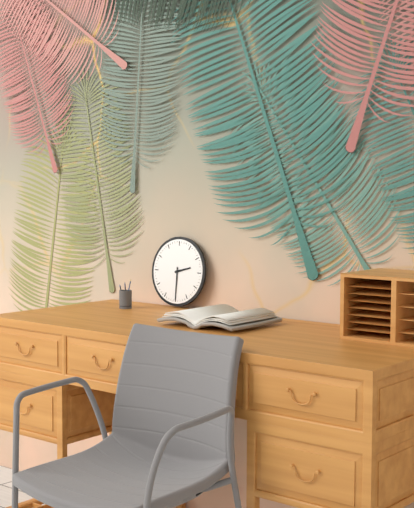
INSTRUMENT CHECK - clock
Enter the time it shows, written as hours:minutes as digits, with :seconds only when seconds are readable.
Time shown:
2:30
